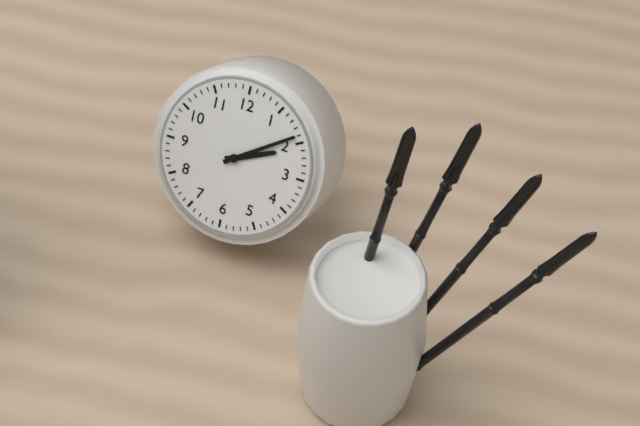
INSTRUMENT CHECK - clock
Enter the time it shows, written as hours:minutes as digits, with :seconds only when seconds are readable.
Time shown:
2:09
